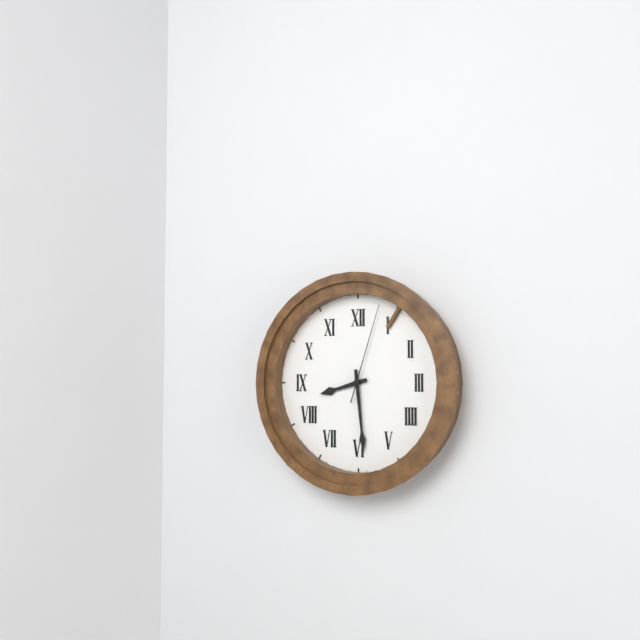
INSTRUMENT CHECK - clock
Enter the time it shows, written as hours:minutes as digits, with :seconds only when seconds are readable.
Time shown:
8:29:03
